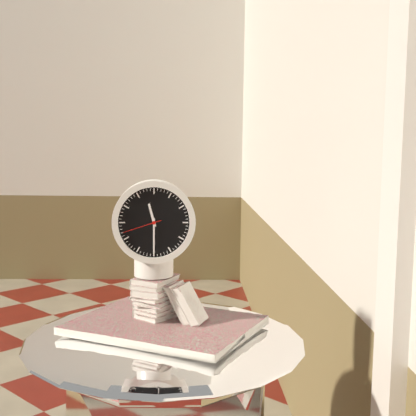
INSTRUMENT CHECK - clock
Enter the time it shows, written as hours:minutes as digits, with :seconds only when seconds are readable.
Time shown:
11:30
